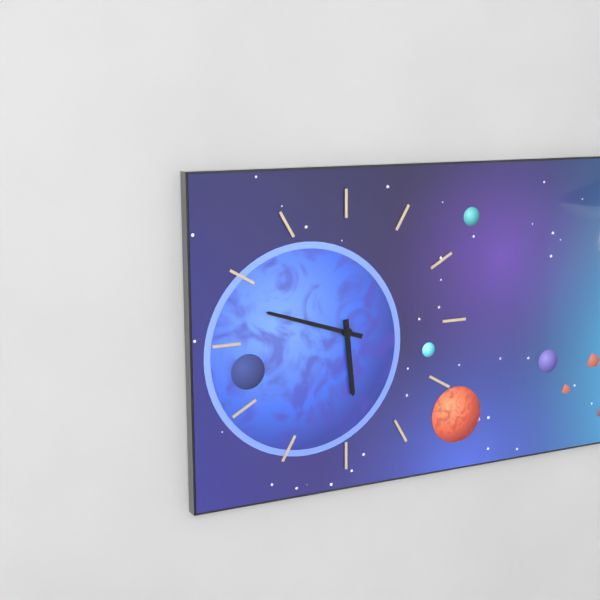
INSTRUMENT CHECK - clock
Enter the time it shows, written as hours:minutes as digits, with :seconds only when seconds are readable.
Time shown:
5:48
